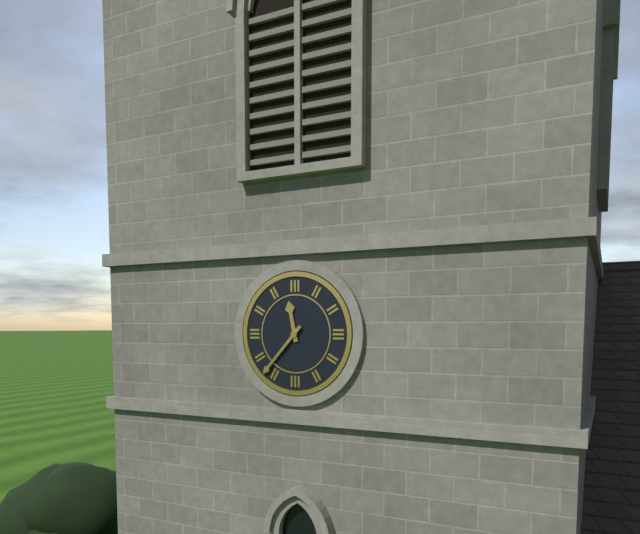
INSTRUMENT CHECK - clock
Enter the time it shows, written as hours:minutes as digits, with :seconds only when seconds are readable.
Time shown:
11:37
